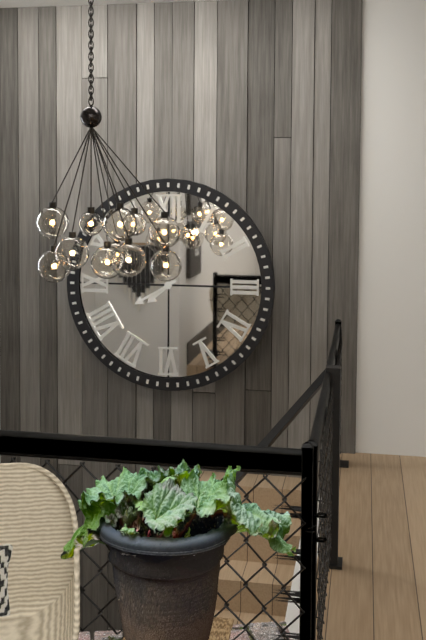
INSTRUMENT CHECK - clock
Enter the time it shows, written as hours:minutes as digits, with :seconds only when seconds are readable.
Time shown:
7:40
